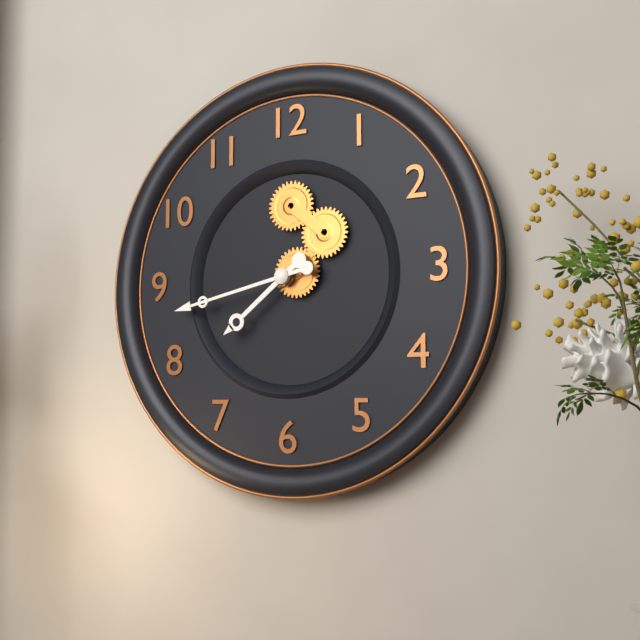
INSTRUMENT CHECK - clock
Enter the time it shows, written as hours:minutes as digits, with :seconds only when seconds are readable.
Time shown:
7:43
